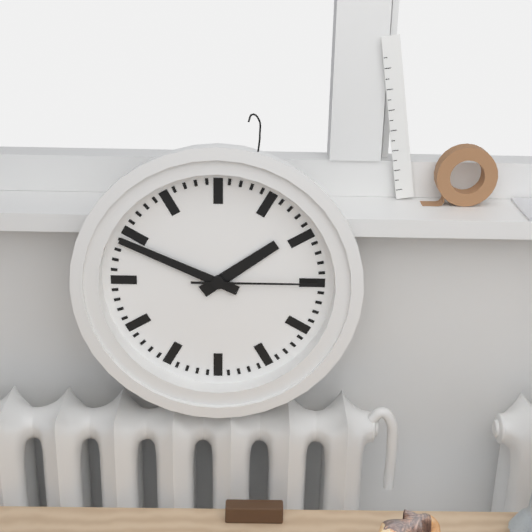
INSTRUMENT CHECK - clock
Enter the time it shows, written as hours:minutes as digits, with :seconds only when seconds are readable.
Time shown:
1:49:15
